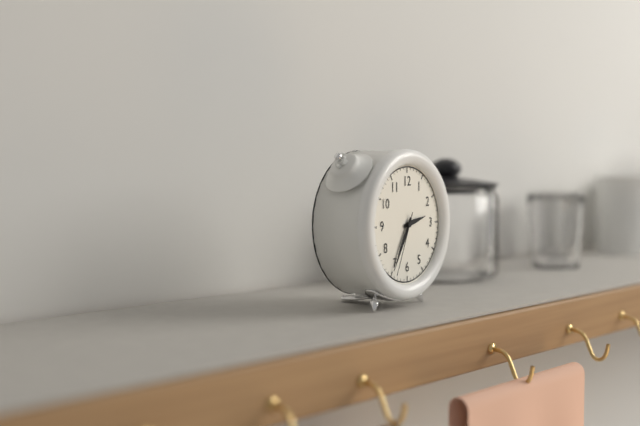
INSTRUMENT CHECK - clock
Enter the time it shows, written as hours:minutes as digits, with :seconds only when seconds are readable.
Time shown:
2:35:34
